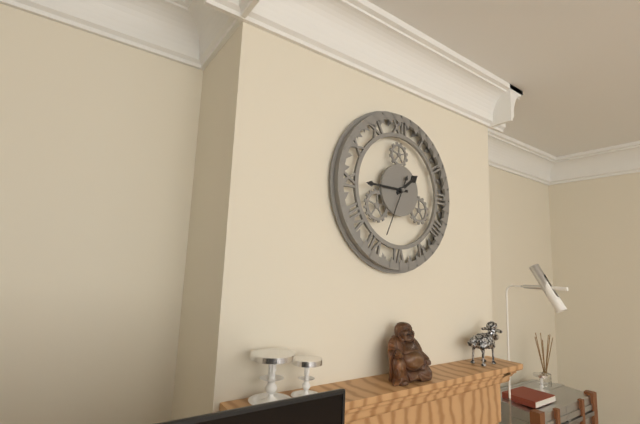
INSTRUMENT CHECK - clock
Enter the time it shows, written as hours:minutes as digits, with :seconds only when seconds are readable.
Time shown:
1:45:34
